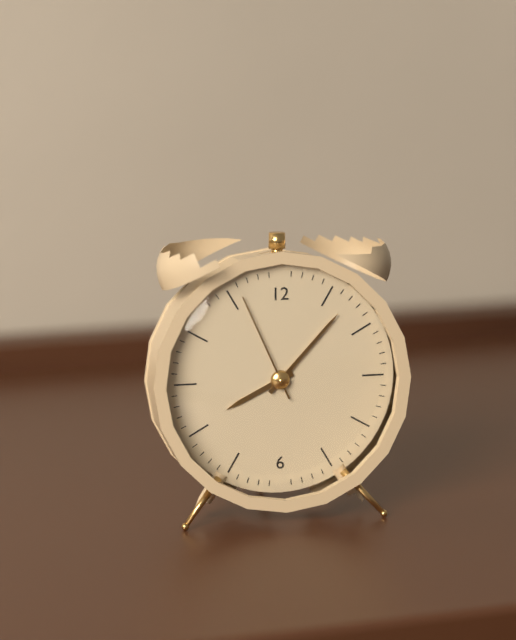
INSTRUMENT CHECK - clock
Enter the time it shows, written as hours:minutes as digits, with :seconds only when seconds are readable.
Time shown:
8:07:56
